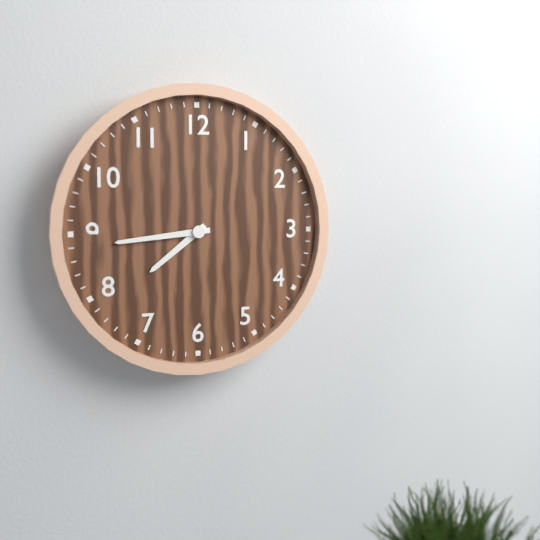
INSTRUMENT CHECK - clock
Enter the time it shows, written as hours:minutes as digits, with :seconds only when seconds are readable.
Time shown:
7:44
